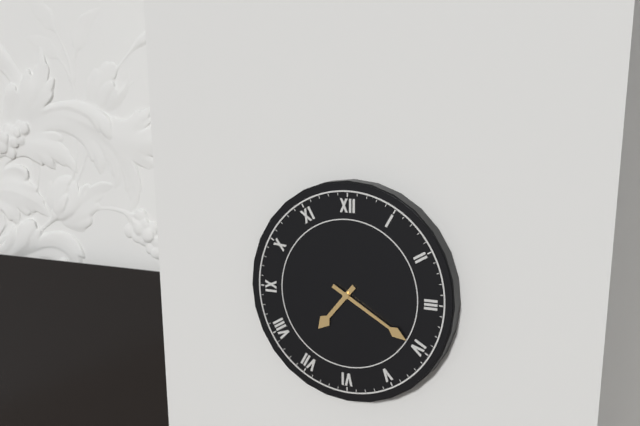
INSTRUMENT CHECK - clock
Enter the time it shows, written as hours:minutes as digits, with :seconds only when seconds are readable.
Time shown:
7:20
